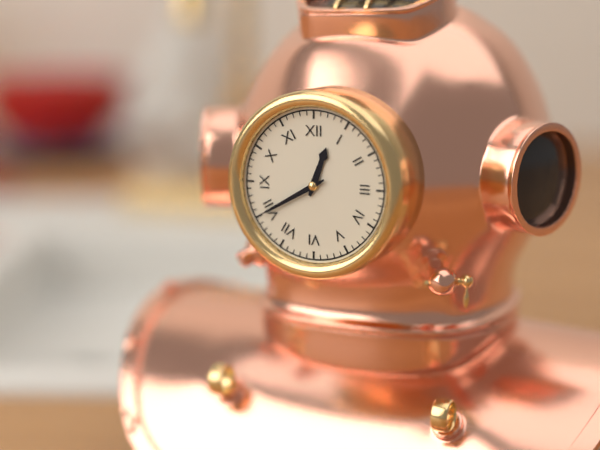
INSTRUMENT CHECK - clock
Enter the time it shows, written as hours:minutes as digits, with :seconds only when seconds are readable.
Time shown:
12:40
